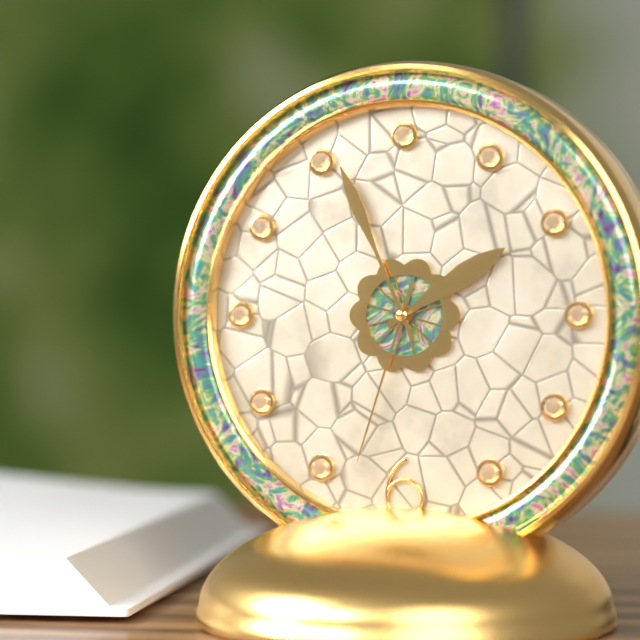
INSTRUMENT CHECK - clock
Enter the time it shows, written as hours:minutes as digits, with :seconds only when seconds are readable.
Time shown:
1:56:33
